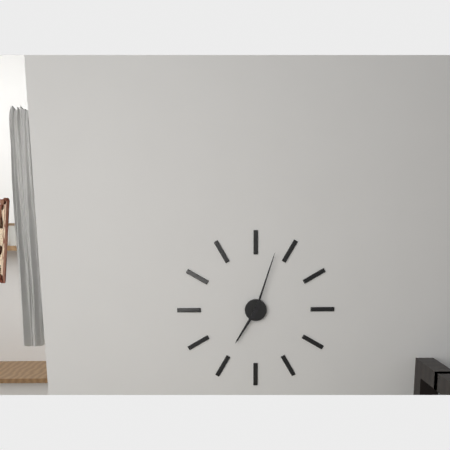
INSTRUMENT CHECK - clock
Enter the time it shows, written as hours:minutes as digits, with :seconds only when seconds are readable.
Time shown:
7:03
